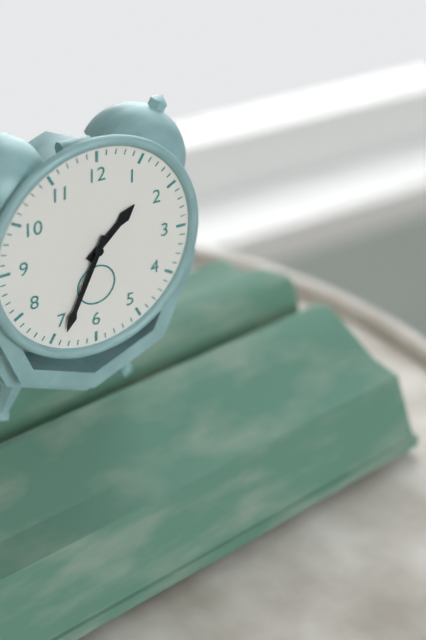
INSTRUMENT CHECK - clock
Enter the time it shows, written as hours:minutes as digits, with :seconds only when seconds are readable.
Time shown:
1:34
